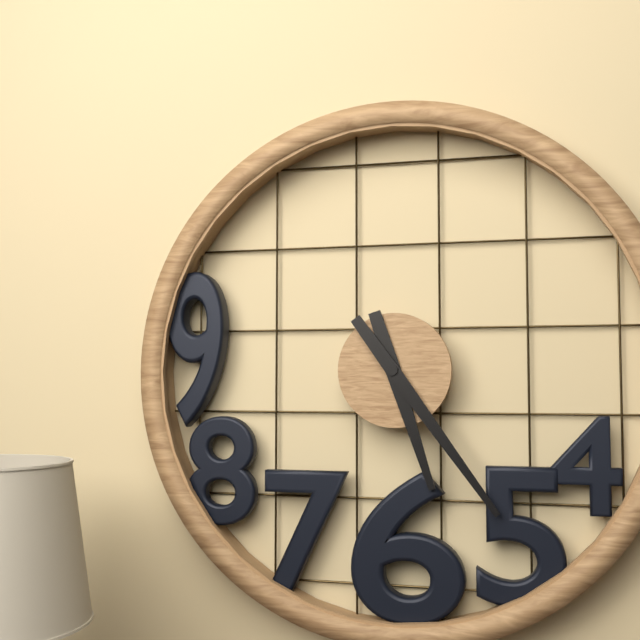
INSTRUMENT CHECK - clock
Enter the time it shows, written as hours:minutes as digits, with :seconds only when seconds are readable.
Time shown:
5:24
